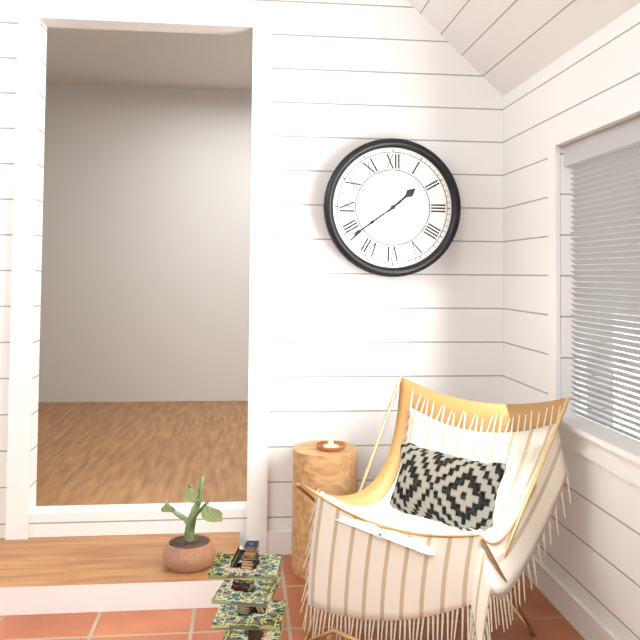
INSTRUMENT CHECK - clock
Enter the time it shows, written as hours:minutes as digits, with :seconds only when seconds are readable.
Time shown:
1:39
